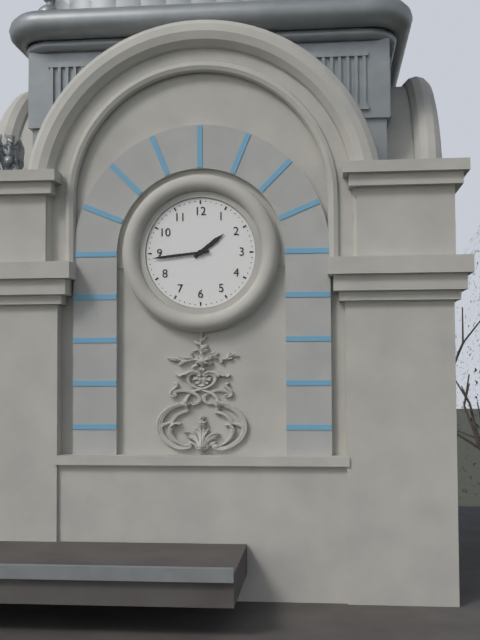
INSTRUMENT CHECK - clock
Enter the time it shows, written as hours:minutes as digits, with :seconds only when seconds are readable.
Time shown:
1:44
